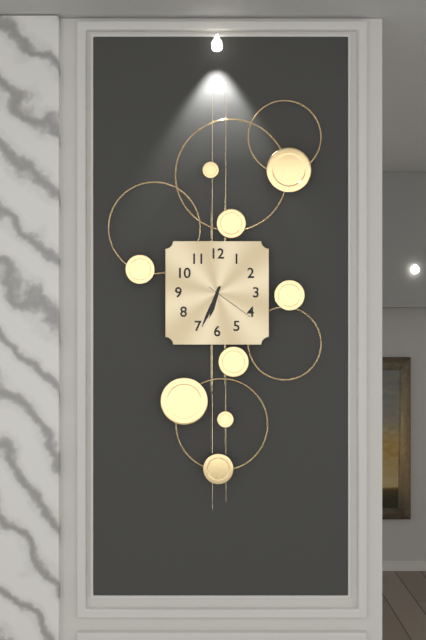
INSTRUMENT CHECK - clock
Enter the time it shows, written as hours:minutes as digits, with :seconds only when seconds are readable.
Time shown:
6:34:21
